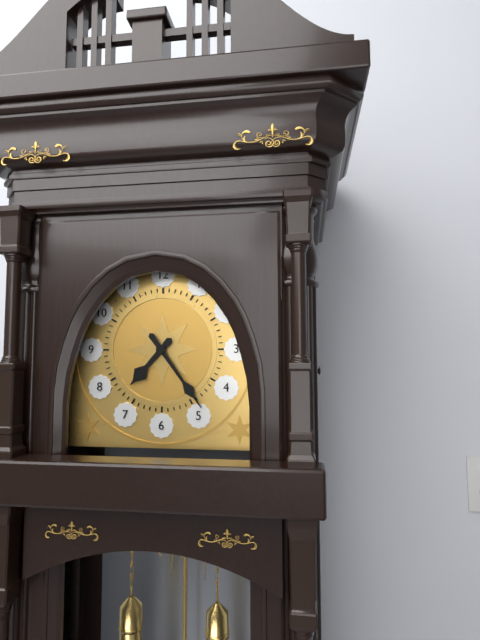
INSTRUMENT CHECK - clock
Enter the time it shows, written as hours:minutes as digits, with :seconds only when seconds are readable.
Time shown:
7:24
